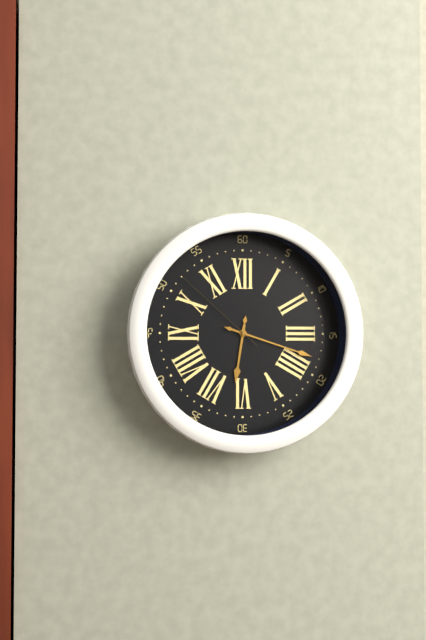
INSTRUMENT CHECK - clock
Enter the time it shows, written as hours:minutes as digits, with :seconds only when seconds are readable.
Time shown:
6:18:52
